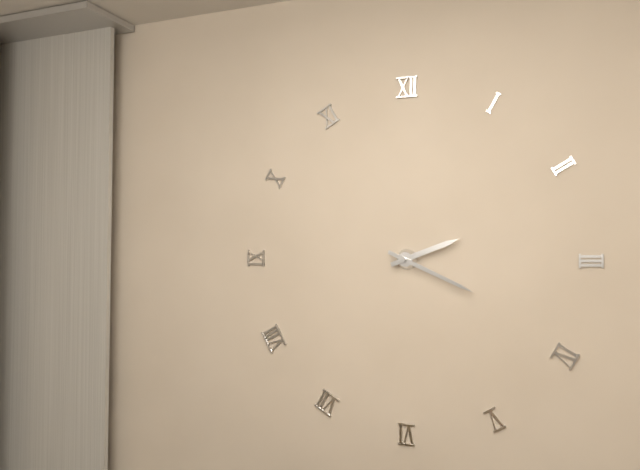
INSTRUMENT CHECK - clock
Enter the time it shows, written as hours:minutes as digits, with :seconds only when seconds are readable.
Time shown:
2:19
